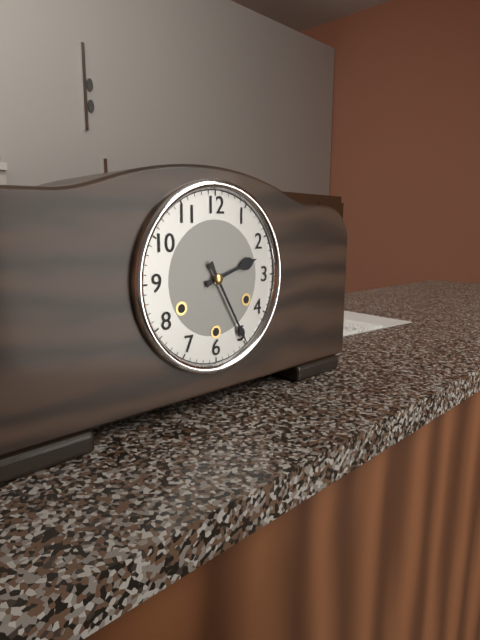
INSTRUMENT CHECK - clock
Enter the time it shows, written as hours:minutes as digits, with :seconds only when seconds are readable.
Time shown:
2:25
